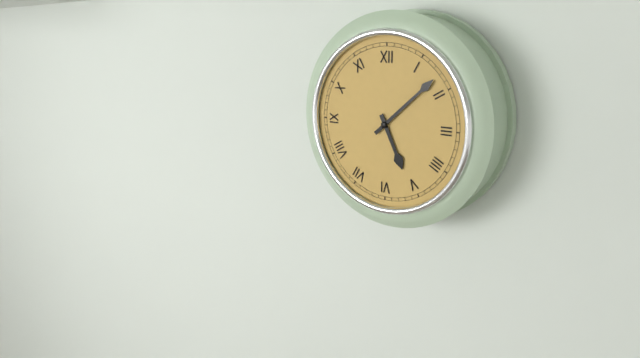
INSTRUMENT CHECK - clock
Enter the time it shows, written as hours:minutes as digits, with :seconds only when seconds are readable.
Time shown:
5:08
